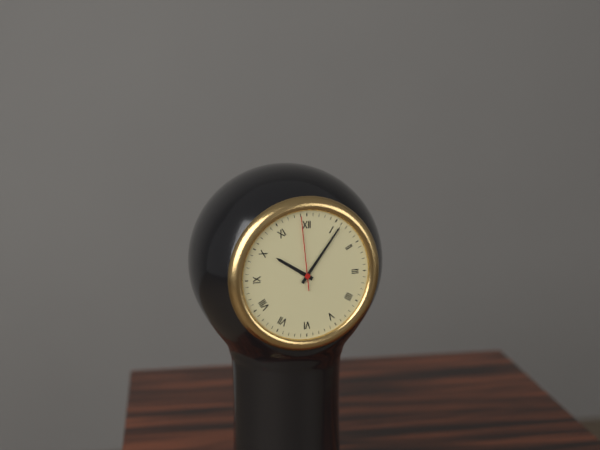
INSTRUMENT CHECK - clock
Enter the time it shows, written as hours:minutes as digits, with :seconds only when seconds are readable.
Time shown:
10:06:59
